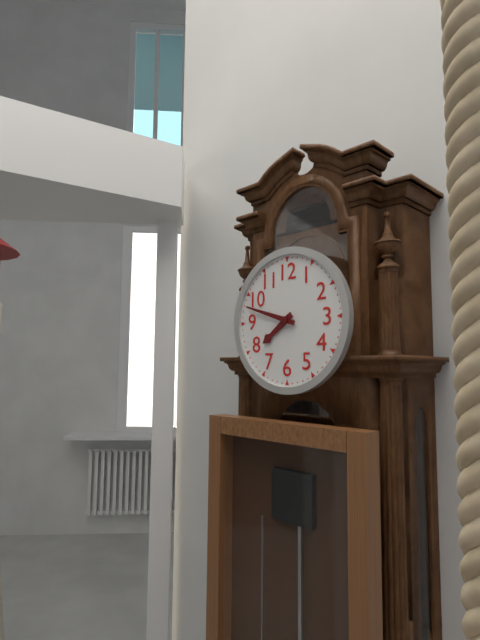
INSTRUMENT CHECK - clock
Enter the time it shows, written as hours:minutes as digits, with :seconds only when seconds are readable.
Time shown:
7:48
